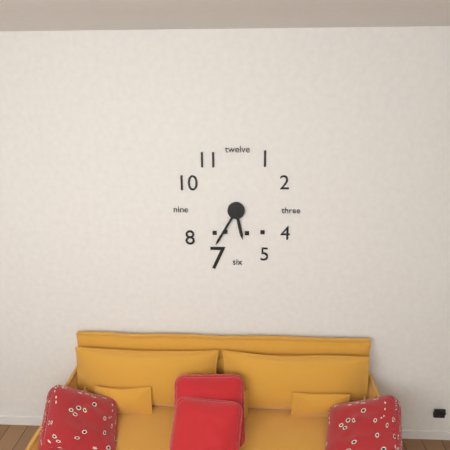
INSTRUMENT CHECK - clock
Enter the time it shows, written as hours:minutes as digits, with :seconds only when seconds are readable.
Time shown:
5:35
